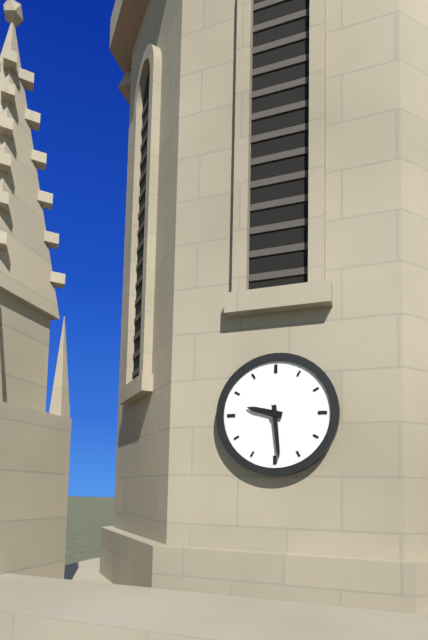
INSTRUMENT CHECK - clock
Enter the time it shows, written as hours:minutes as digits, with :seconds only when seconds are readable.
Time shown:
9:29
